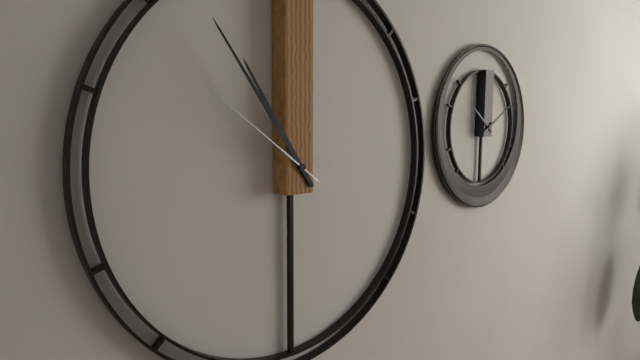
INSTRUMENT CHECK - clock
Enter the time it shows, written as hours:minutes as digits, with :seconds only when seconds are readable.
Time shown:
10:54:51
